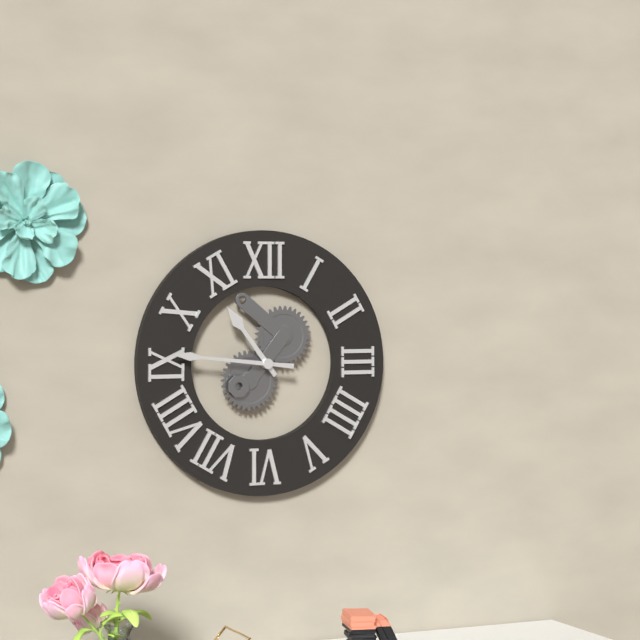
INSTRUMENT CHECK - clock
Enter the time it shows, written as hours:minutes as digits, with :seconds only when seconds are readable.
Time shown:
10:46
